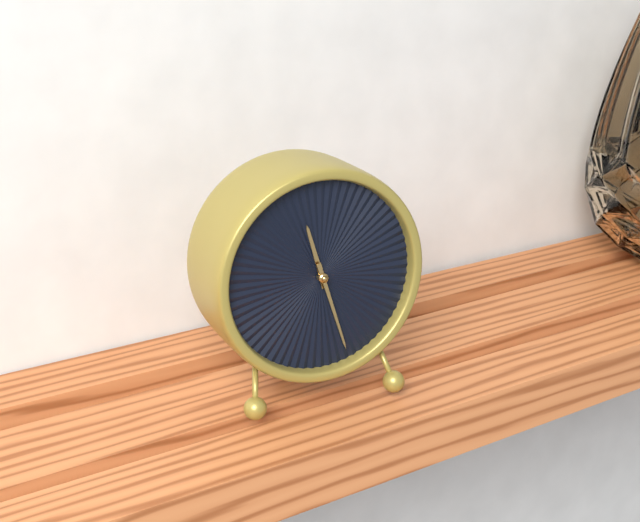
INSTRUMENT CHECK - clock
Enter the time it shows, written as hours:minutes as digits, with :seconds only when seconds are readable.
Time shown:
11:27
